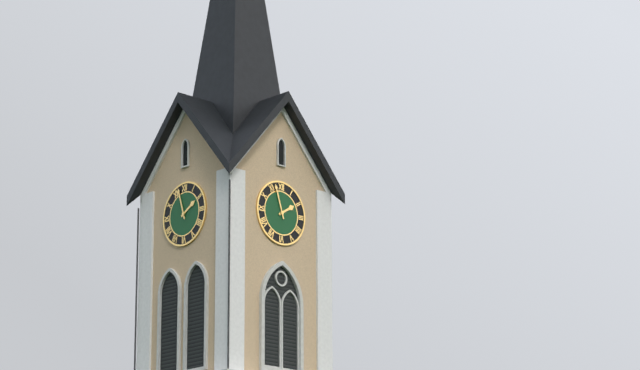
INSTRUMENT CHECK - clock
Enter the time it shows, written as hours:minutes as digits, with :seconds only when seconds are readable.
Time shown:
1:57
